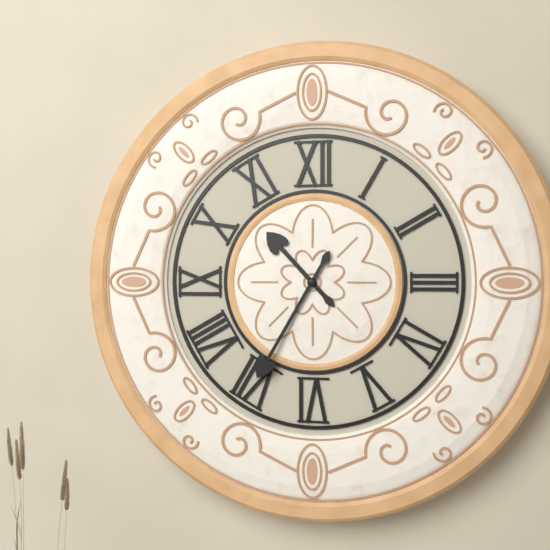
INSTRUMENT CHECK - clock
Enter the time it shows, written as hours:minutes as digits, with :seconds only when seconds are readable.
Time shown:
10:35
